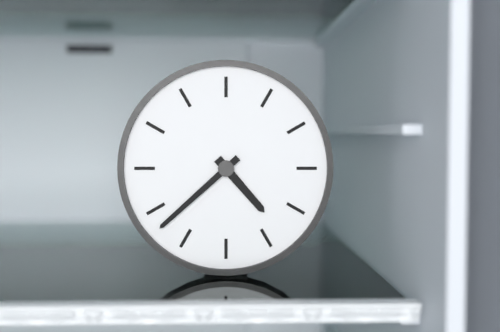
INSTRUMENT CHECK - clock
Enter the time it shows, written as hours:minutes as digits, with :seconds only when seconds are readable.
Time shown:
4:38
